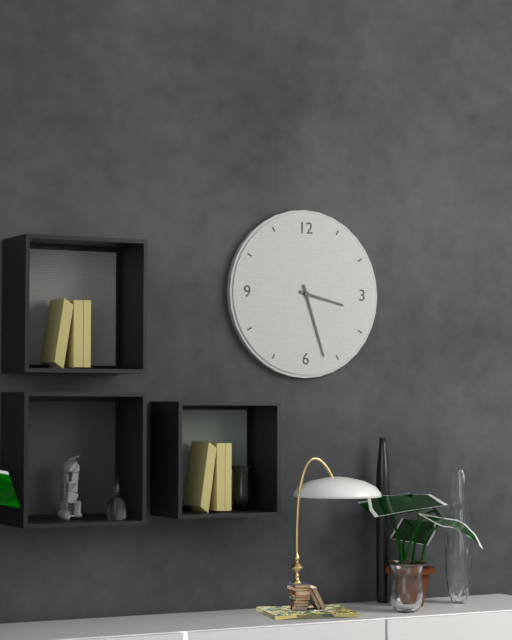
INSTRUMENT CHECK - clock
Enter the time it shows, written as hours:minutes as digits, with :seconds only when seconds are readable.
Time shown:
3:27
